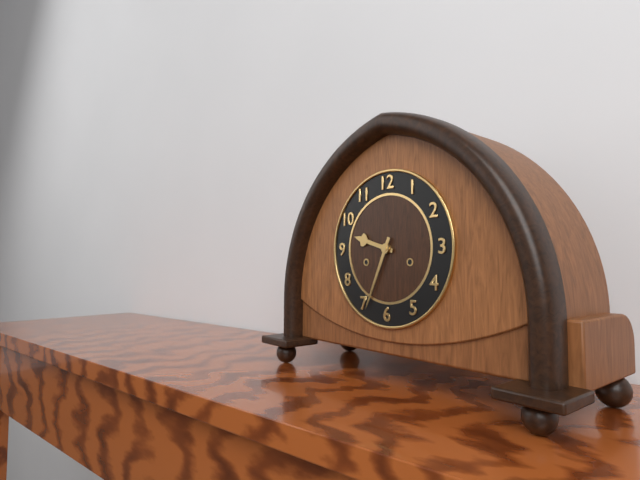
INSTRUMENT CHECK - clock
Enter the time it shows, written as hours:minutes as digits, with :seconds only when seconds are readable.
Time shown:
9:34
